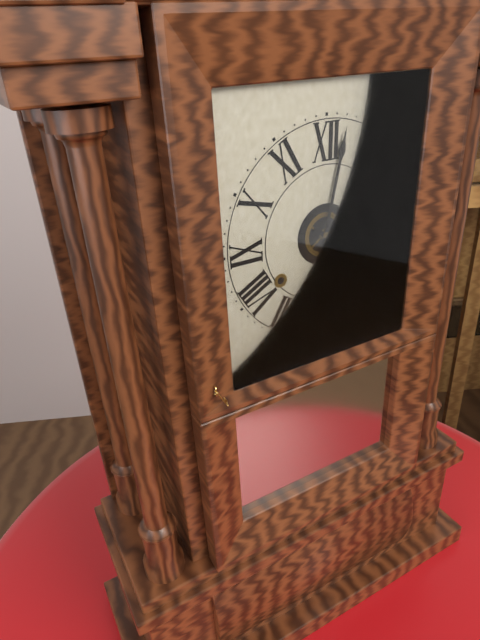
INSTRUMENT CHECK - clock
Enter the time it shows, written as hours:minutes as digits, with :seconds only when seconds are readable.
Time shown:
4:02
